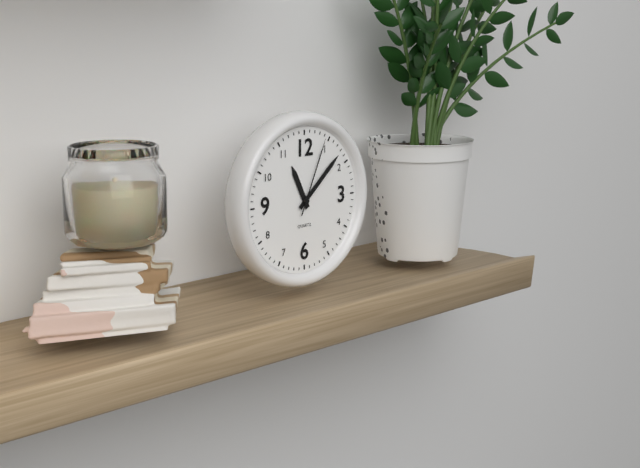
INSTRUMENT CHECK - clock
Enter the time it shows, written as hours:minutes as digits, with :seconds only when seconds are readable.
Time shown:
11:08:04
